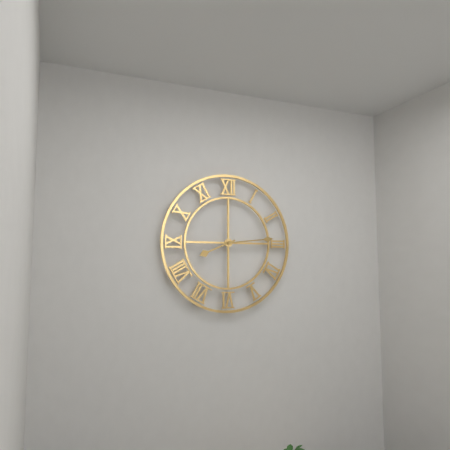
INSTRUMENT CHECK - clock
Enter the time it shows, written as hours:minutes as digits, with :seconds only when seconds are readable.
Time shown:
8:14
